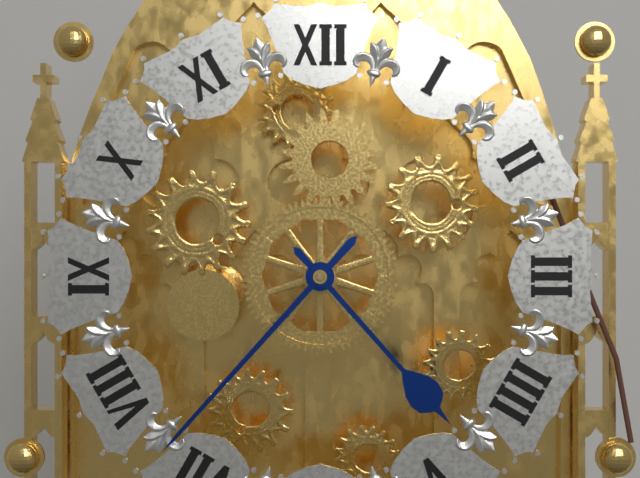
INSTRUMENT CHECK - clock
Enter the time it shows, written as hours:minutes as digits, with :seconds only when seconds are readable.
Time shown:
4:37
